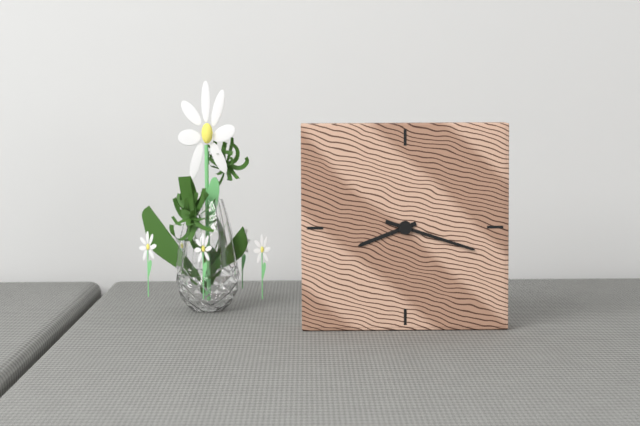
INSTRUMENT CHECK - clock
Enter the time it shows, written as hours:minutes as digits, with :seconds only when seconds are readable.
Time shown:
8:18
